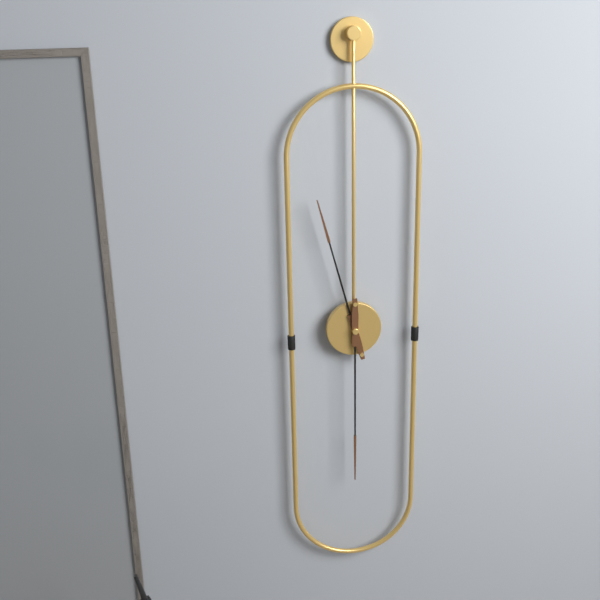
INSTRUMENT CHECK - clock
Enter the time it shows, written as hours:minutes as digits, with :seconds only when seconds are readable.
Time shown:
11:30
